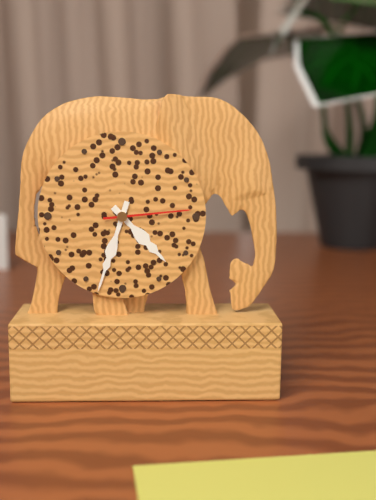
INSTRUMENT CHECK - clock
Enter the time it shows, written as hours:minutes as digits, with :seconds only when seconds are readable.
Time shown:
4:33:14
